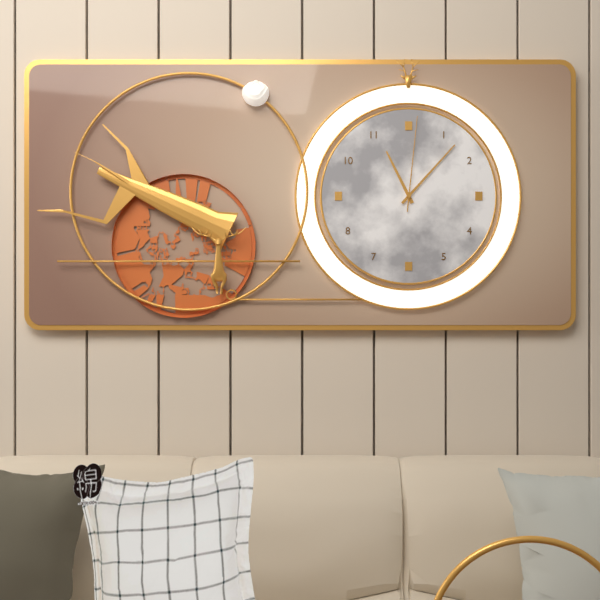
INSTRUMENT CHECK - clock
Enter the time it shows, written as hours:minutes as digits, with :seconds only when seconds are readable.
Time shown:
11:07:01
